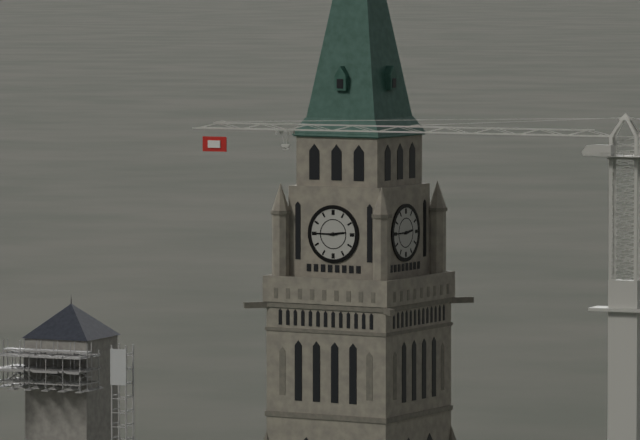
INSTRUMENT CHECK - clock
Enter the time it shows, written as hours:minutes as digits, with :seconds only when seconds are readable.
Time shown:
2:45
